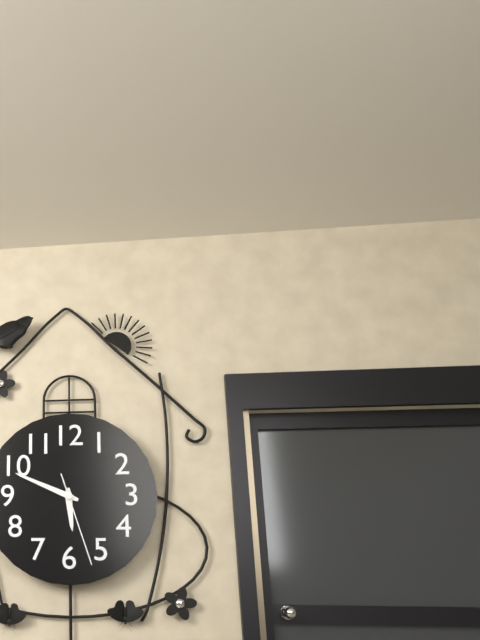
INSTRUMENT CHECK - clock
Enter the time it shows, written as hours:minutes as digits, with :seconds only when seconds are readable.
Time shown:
5:49:27
